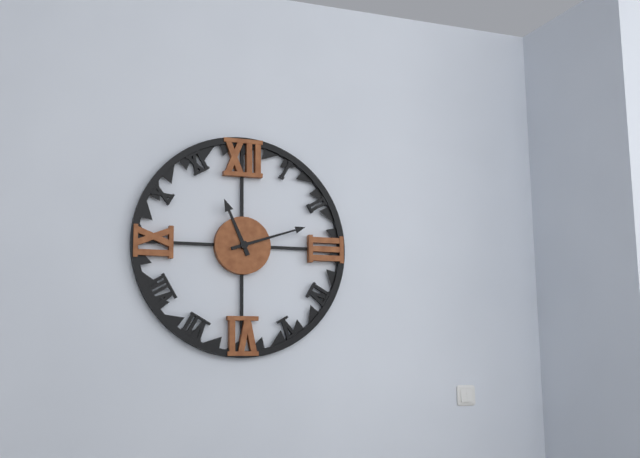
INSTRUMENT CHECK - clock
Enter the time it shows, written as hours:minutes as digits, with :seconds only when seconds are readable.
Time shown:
11:12
